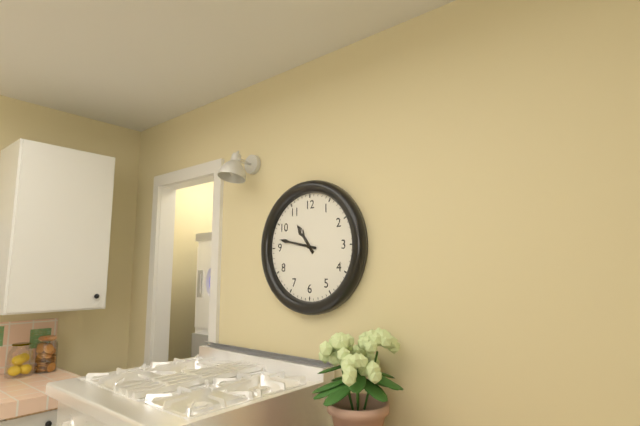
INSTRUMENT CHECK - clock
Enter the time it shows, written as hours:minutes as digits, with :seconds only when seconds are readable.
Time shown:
10:47
